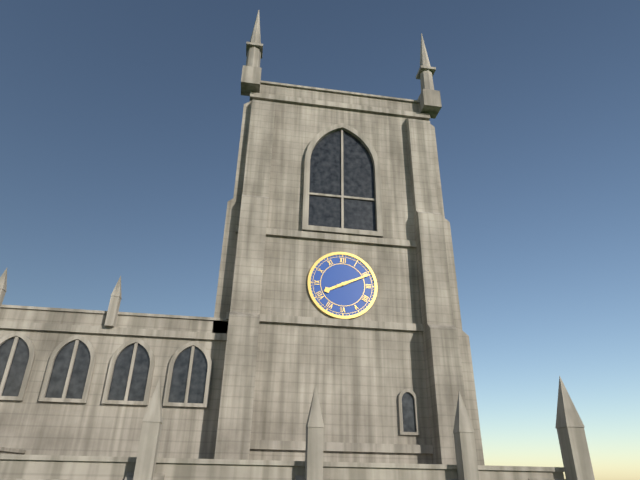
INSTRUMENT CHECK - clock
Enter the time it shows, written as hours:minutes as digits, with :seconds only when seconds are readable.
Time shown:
8:11
